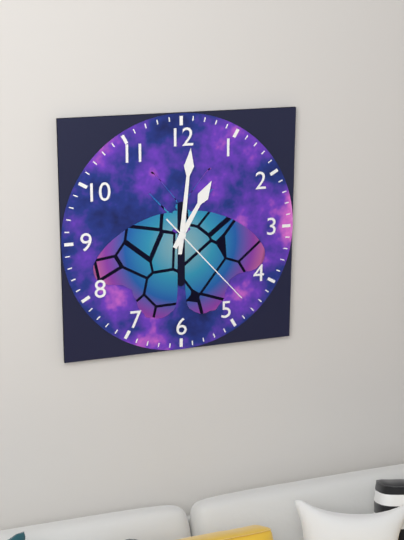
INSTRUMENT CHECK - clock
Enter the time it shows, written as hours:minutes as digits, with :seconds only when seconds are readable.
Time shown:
1:01:23
